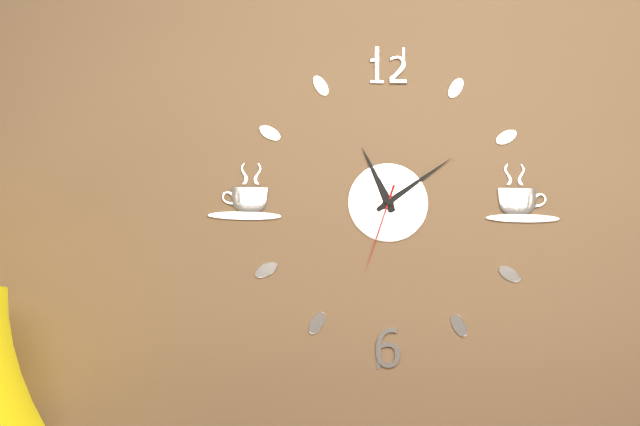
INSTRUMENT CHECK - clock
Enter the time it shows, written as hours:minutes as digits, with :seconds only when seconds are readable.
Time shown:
11:09:33
